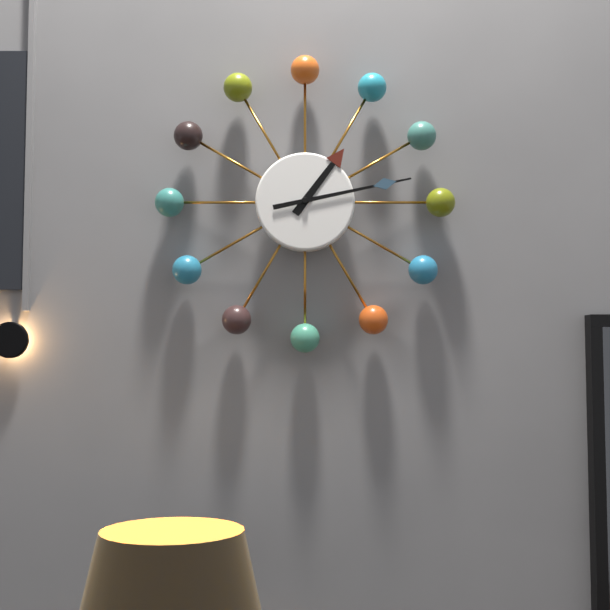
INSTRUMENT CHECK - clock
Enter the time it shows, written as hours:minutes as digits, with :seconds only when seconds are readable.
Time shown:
1:13
